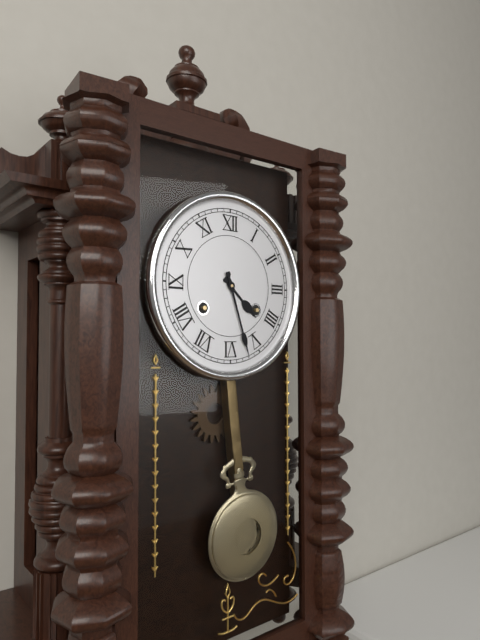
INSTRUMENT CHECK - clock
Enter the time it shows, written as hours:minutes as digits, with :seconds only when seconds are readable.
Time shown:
4:27
